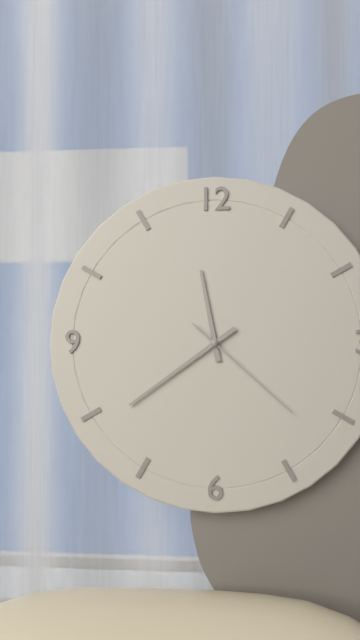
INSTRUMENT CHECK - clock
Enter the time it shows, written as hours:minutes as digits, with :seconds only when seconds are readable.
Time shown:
11:39:22
